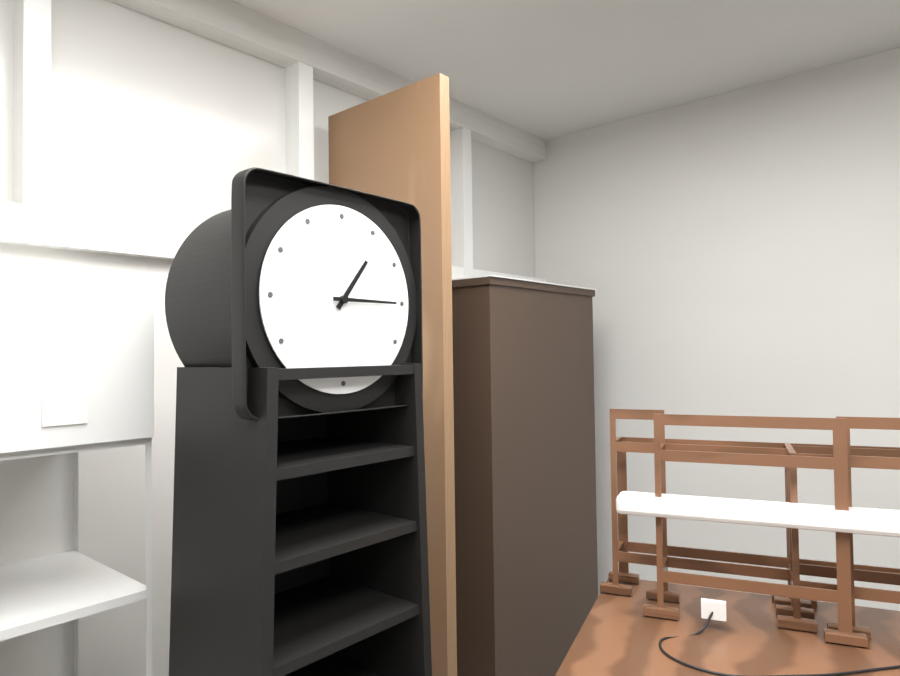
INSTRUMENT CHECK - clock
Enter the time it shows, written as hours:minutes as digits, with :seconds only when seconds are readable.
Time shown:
1:15
